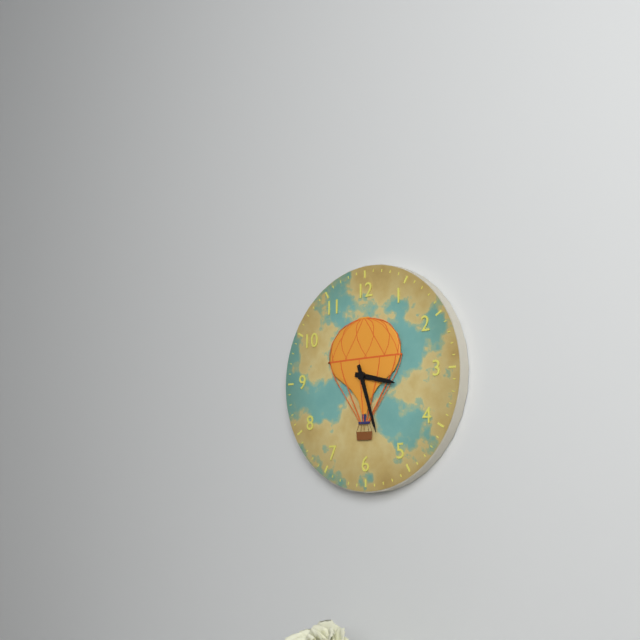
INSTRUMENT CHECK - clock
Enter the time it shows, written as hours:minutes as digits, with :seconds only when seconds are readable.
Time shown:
3:27
